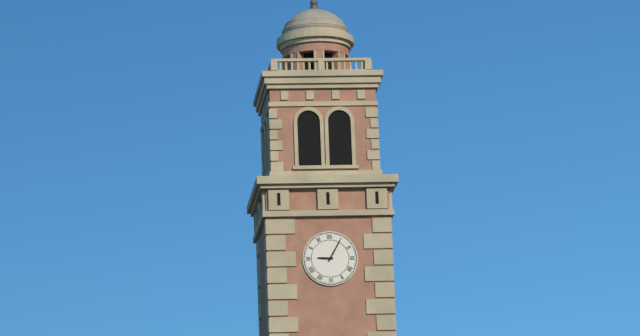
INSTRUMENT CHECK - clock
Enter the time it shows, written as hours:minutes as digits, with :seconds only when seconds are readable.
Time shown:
9:05
